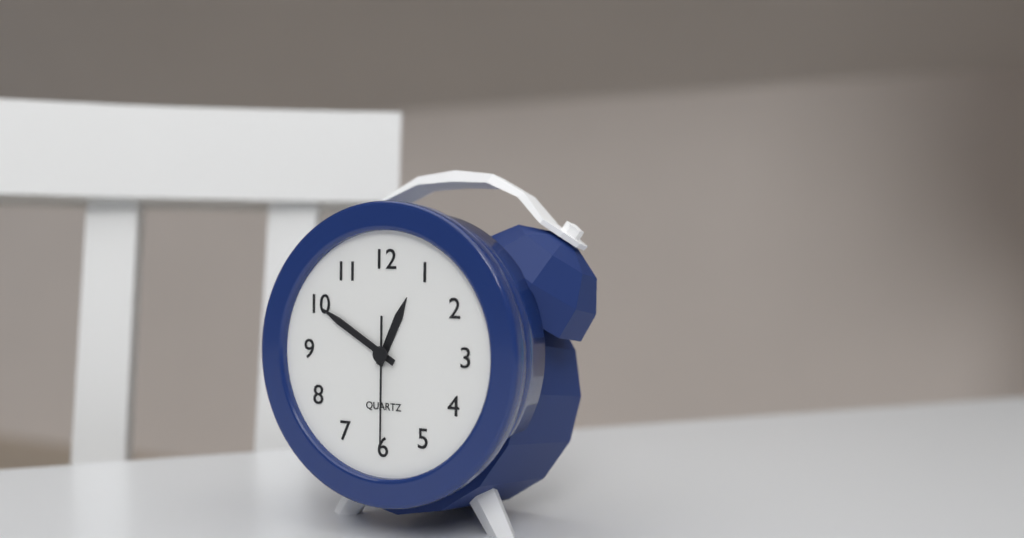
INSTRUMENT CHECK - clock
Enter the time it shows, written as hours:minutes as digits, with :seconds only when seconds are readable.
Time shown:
12:50:30
